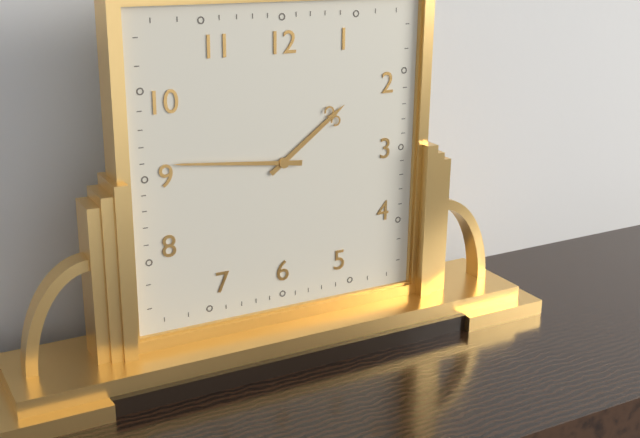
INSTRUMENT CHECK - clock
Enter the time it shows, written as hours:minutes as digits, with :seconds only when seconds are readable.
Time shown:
1:46
